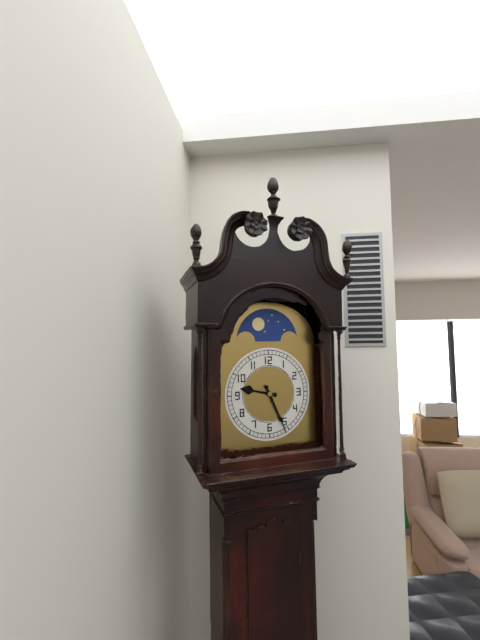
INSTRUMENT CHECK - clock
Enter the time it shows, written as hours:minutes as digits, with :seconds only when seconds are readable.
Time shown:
9:26
